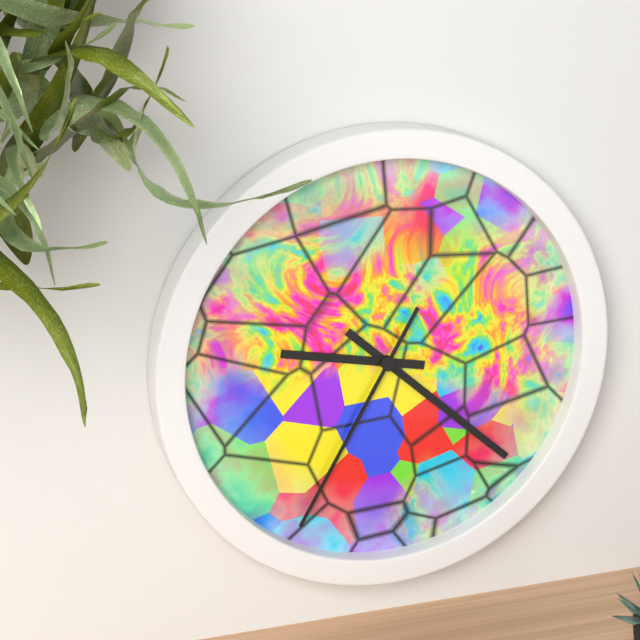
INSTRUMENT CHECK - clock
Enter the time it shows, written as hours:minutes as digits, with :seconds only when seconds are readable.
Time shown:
9:22:35
